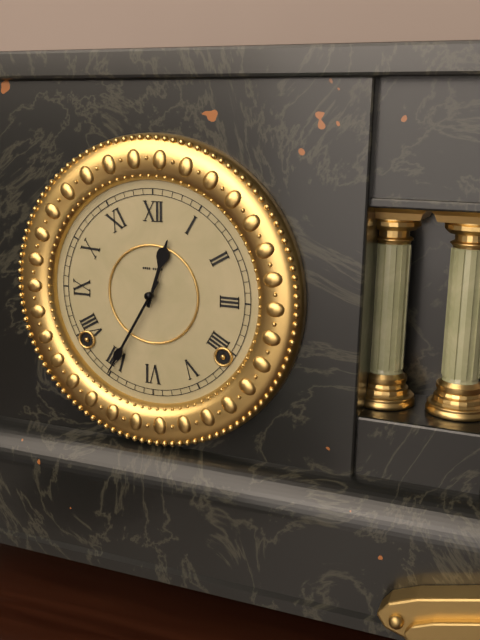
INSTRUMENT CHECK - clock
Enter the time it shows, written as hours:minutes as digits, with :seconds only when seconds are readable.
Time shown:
12:35
